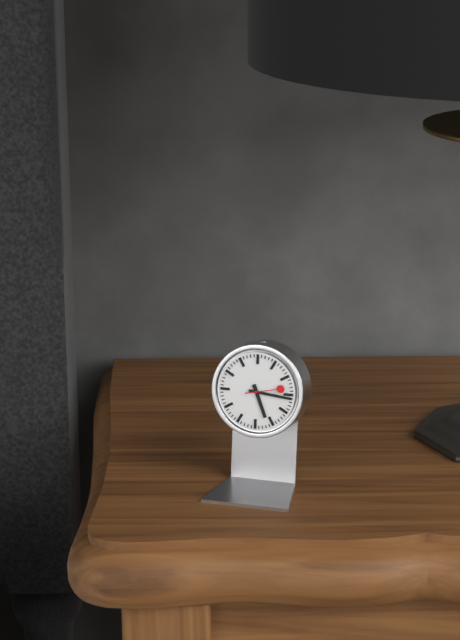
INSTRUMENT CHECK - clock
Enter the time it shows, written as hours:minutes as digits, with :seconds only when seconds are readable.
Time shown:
5:16
